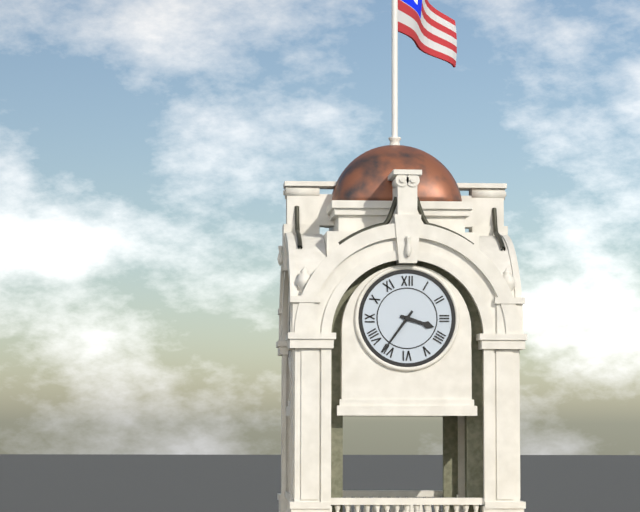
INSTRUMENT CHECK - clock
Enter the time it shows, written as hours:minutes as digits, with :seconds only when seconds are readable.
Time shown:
3:36
